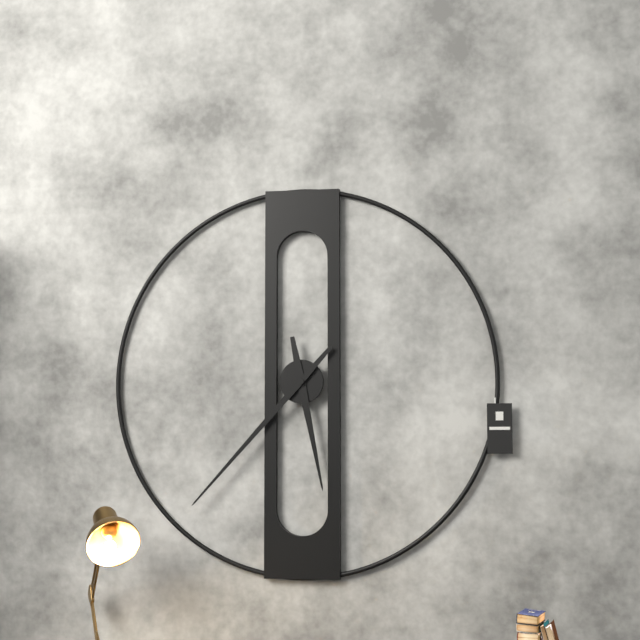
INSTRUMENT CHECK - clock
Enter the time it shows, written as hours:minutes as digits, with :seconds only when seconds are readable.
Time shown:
5:37
